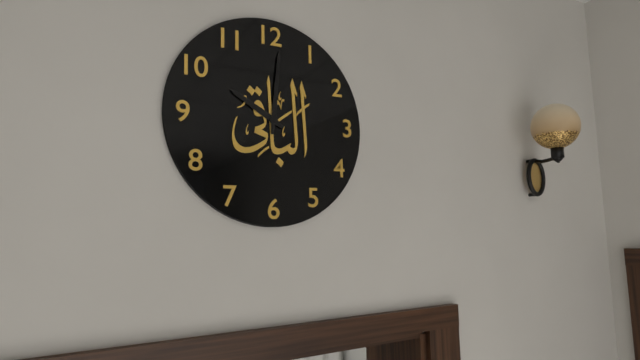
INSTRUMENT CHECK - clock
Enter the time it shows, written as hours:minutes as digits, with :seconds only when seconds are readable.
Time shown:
10:01
